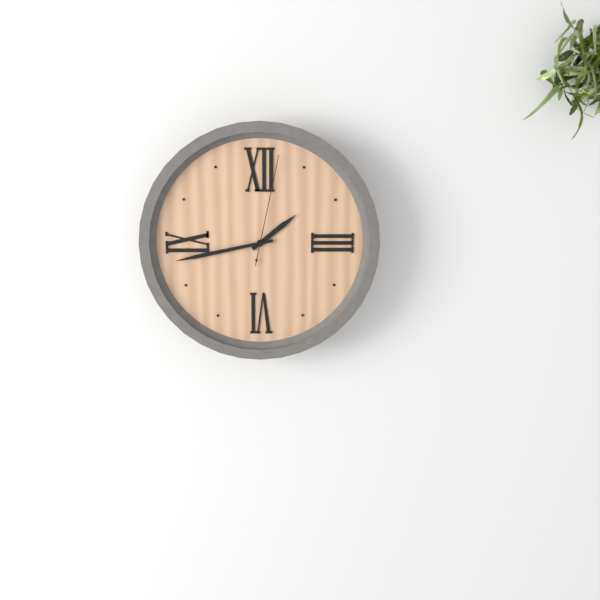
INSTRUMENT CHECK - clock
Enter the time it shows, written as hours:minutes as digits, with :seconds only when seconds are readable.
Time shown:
1:43:02
